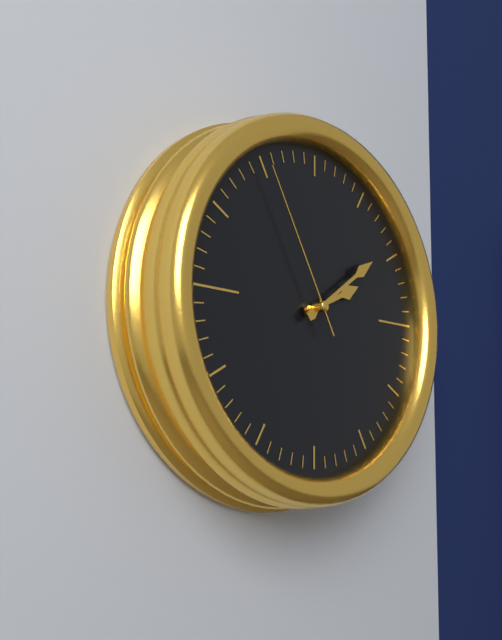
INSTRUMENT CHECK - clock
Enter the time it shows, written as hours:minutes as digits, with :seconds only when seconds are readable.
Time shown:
2:09:55
